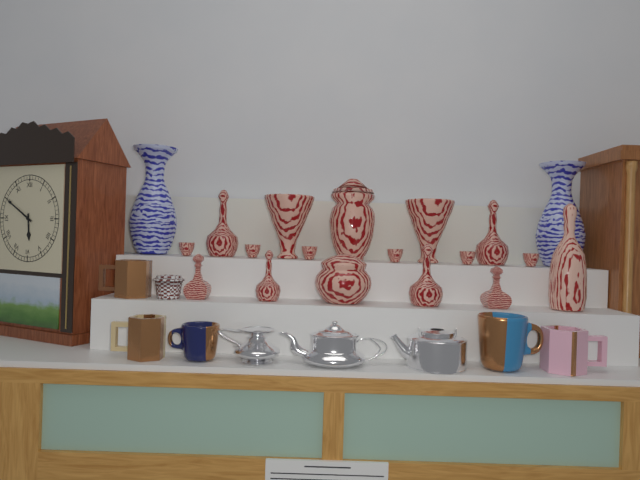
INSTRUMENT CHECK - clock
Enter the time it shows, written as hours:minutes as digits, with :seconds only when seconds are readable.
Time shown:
5:50
